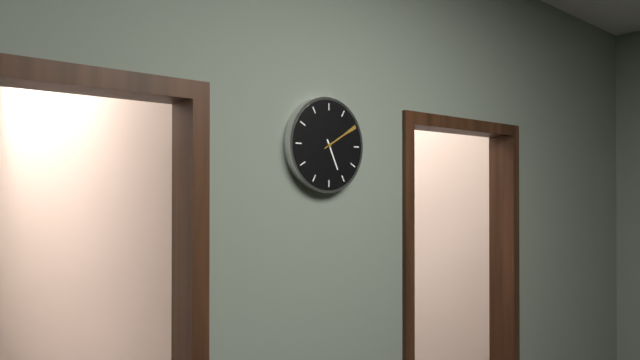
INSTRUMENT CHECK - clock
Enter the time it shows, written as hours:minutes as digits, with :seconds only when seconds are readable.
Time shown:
5:10
